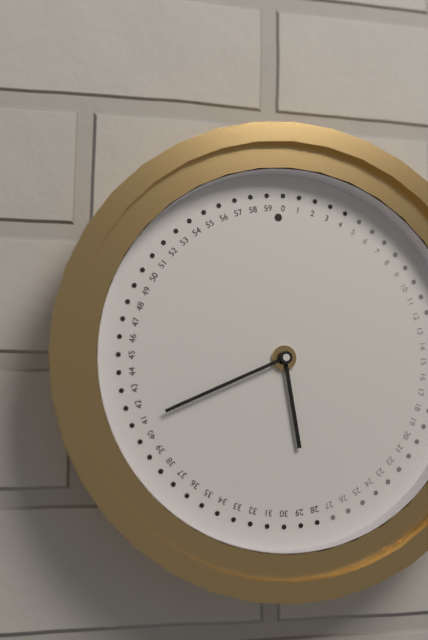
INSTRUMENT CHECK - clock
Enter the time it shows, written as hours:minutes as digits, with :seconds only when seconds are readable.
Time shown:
5:41
